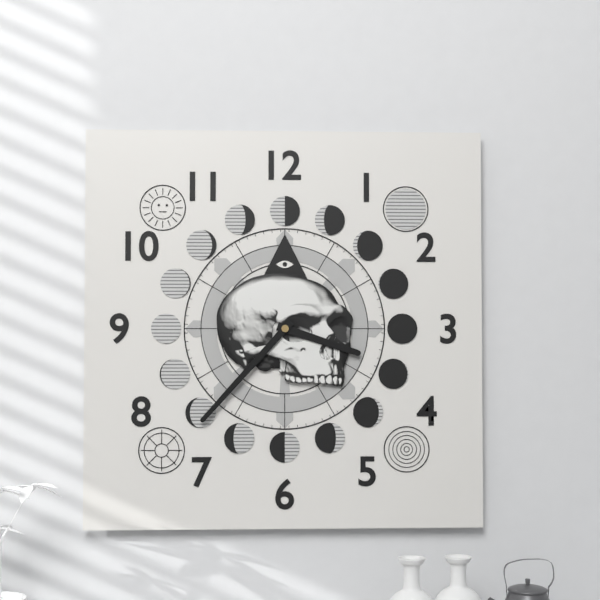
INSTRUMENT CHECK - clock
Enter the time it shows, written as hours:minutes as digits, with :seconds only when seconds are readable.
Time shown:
3:37
